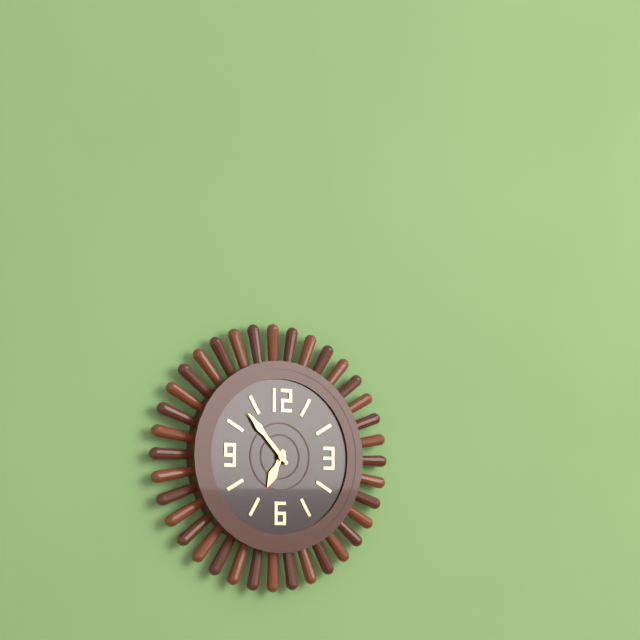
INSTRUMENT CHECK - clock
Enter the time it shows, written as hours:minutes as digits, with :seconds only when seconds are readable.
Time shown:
6:53
